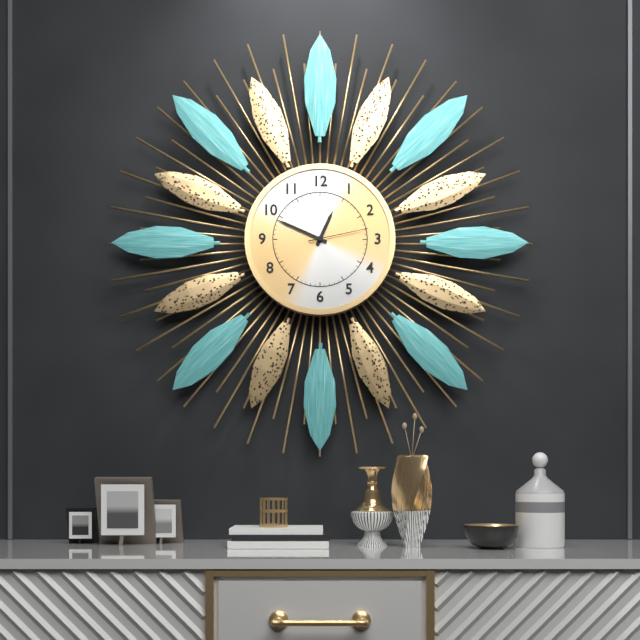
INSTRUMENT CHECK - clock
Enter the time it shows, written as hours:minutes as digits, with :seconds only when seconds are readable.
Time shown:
12:49:13
